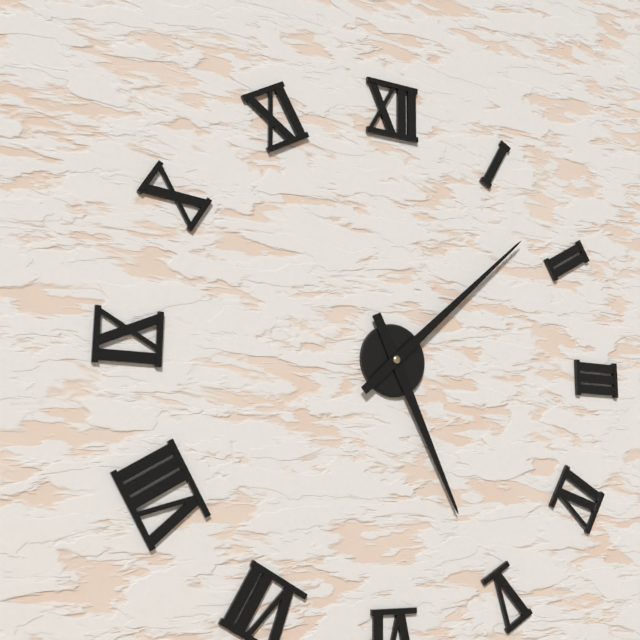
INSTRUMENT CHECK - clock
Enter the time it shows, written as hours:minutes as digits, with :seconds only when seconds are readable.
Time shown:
5:08
